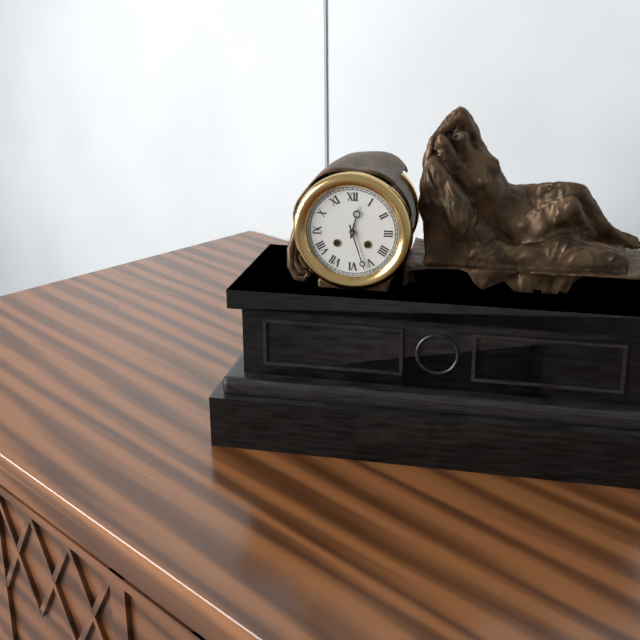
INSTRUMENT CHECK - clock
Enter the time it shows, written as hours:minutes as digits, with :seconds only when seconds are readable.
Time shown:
12:27
